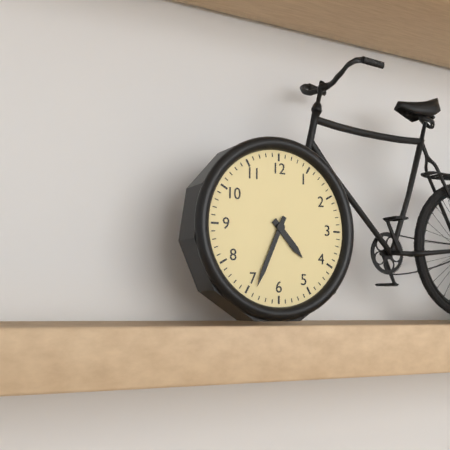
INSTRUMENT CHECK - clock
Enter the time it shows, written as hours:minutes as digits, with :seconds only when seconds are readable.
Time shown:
4:34
